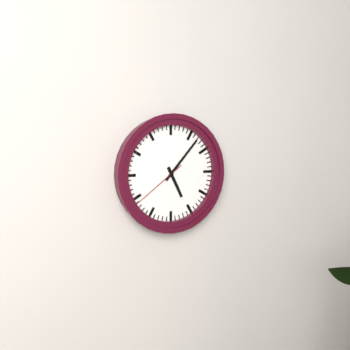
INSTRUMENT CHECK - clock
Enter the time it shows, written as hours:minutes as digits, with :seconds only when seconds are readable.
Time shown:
5:07:39
